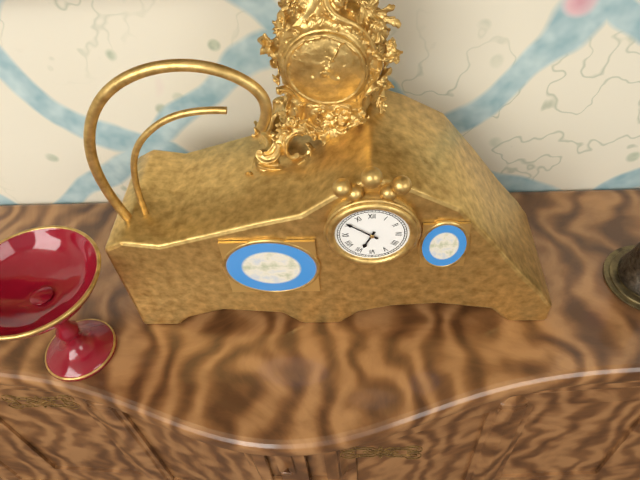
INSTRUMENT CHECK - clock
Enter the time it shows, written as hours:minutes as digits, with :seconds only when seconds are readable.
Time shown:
6:51
